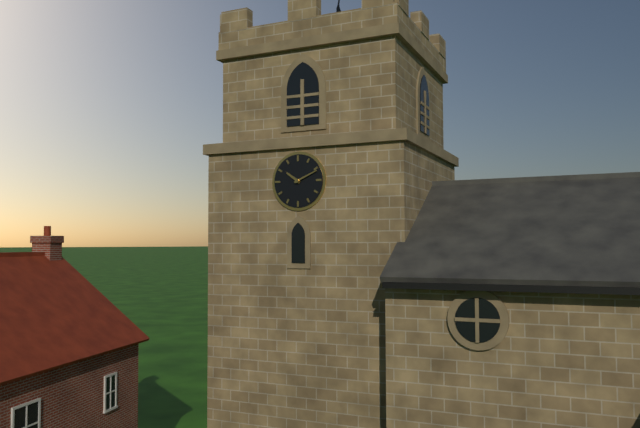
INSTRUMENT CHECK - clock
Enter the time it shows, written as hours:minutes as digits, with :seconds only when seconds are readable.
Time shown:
10:11
